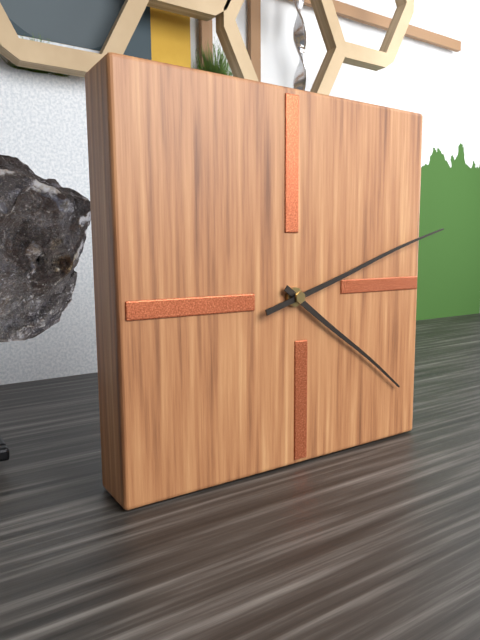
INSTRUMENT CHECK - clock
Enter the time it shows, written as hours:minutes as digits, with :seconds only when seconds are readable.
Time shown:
4:12
